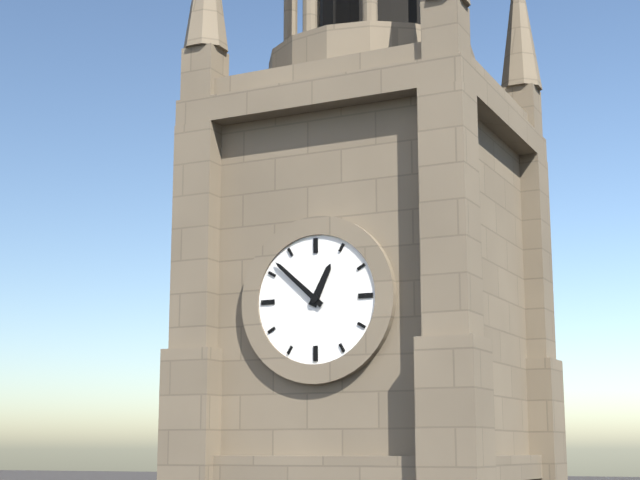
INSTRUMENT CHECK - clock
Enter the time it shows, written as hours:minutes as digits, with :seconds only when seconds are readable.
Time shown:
12:52
